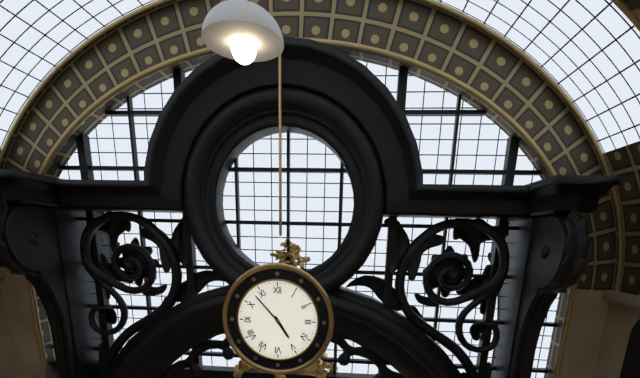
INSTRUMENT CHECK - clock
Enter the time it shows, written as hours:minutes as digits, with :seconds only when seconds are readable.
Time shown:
4:53
